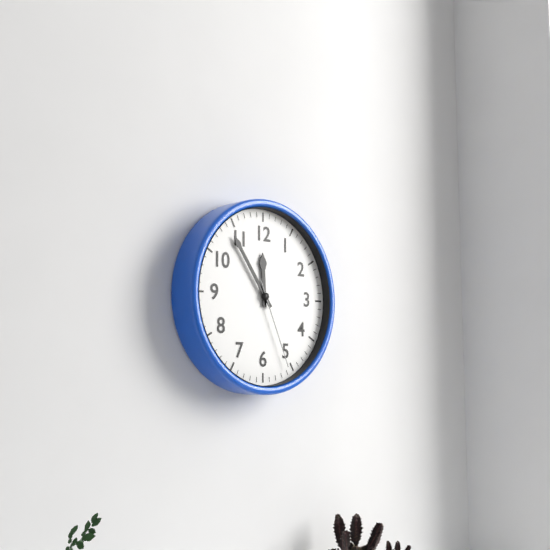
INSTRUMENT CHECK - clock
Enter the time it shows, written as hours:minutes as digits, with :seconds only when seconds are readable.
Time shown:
11:54:26
